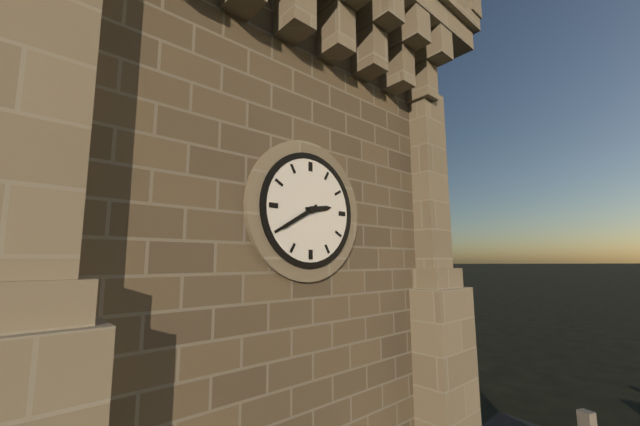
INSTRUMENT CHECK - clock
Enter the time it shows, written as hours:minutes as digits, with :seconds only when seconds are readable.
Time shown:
2:40
